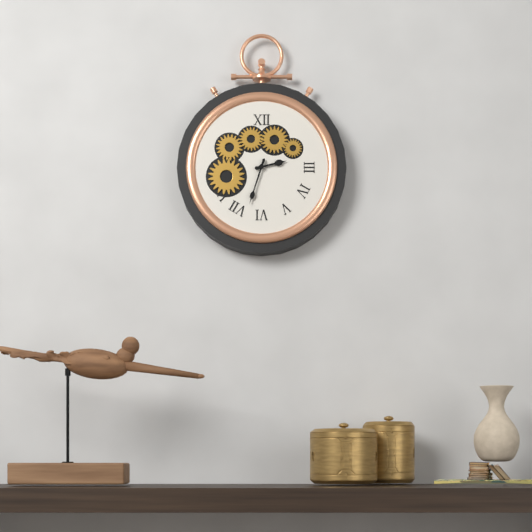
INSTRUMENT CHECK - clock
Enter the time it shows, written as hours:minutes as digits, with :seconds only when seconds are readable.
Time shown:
2:33
